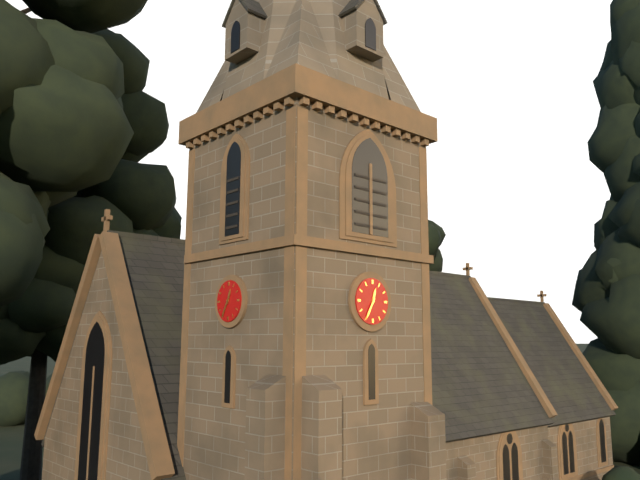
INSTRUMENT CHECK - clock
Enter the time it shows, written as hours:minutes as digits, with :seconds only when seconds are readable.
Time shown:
12:35
